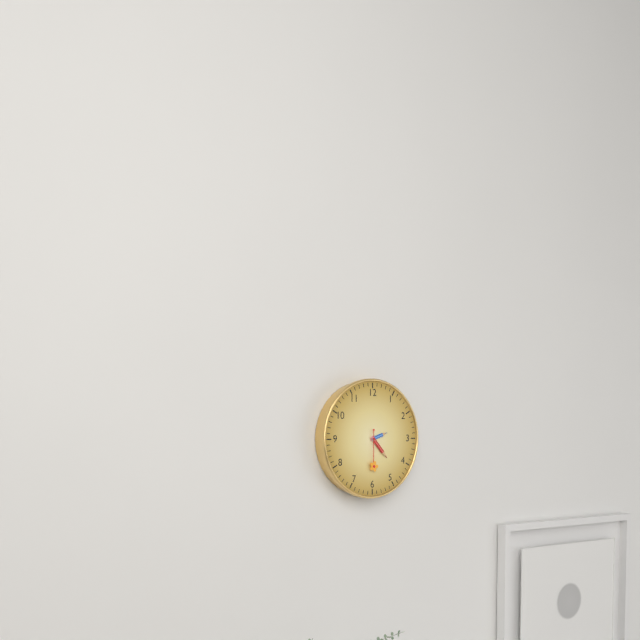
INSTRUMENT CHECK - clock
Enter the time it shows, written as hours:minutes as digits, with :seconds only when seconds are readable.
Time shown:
2:23
